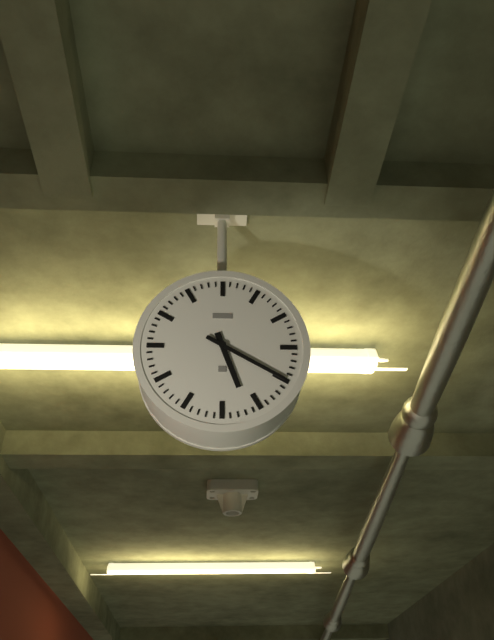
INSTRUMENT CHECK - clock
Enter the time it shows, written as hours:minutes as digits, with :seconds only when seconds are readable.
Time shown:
5:20
